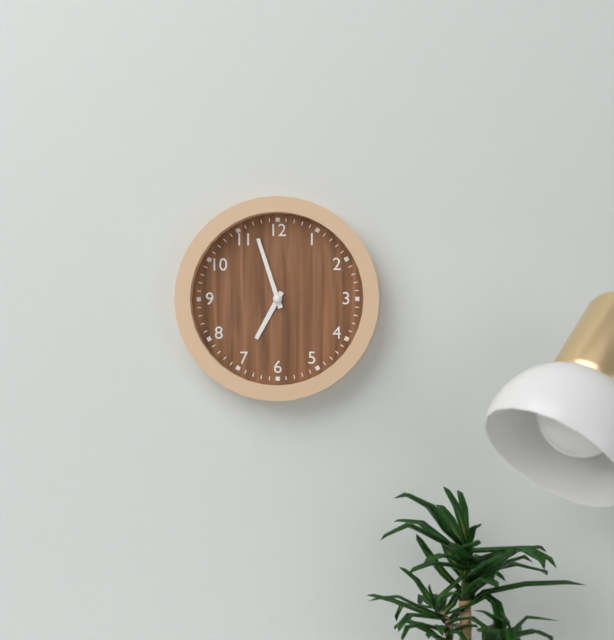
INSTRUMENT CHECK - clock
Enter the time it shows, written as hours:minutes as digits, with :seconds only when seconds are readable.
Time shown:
6:57
